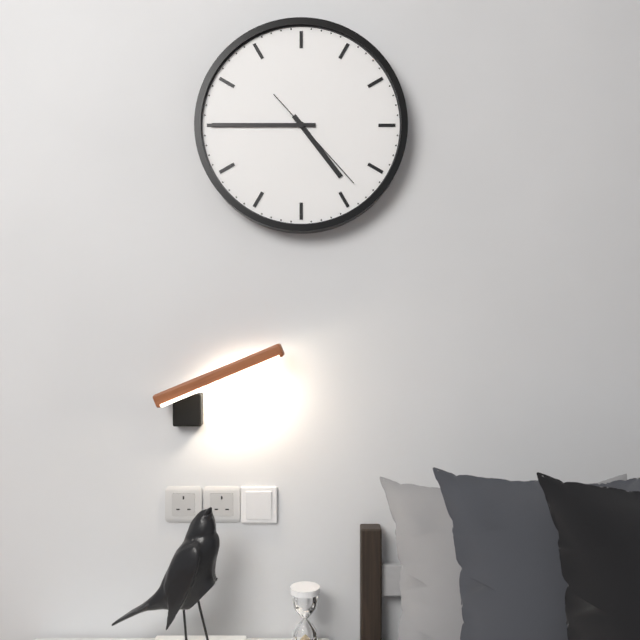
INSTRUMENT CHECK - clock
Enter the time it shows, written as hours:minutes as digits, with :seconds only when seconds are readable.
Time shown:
4:45:23
